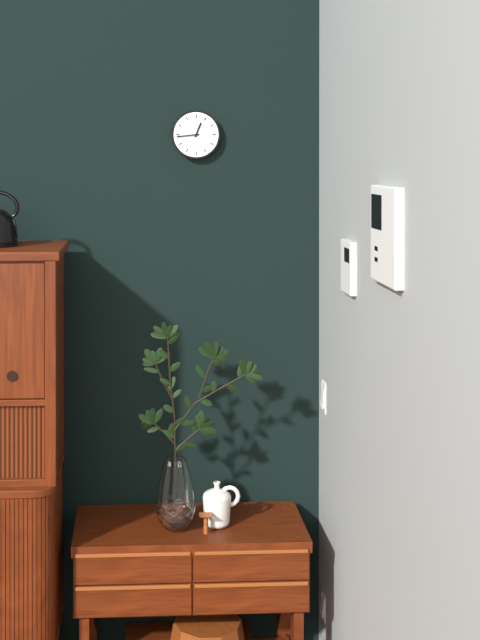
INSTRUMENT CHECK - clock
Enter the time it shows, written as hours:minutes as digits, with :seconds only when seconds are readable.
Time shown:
12:44
